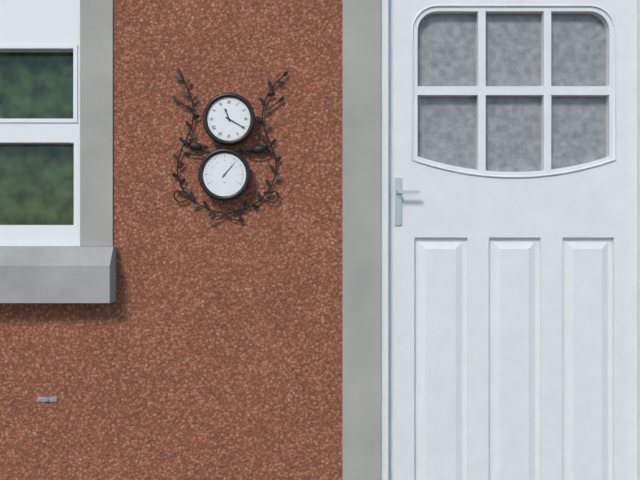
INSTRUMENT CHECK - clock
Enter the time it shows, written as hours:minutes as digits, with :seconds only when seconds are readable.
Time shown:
11:20
